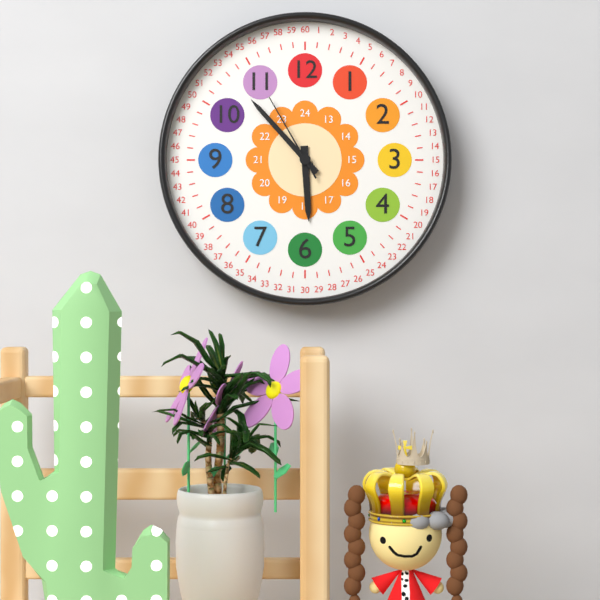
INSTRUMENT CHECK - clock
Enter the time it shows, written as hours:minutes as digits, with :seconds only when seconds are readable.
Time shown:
5:53:55
